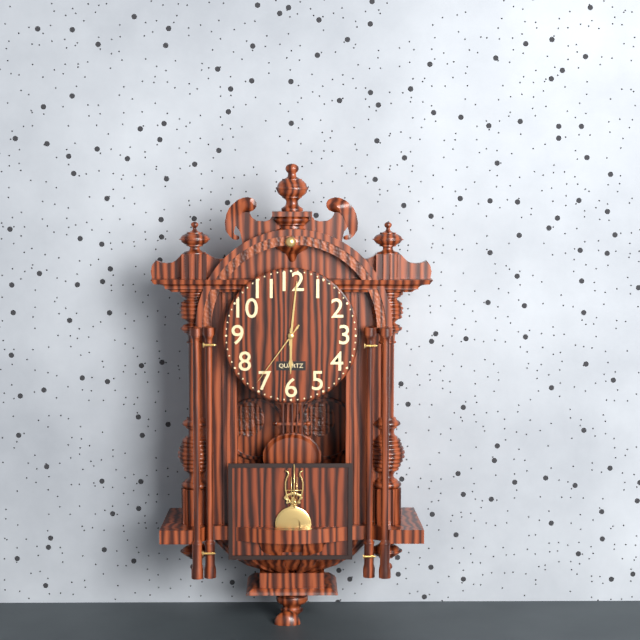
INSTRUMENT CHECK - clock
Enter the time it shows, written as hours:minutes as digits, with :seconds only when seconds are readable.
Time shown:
6:01:36
